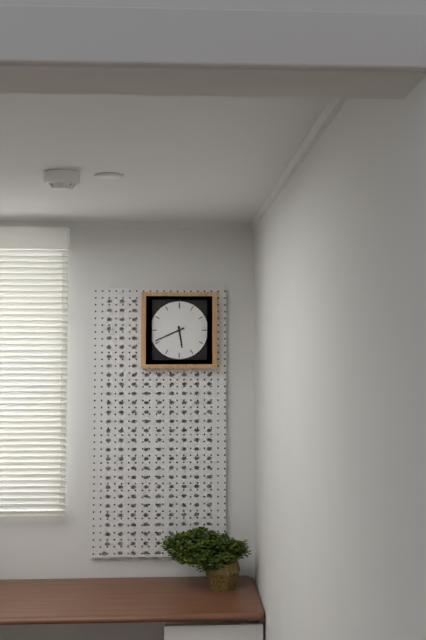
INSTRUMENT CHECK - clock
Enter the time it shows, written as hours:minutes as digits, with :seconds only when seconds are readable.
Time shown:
5:41
